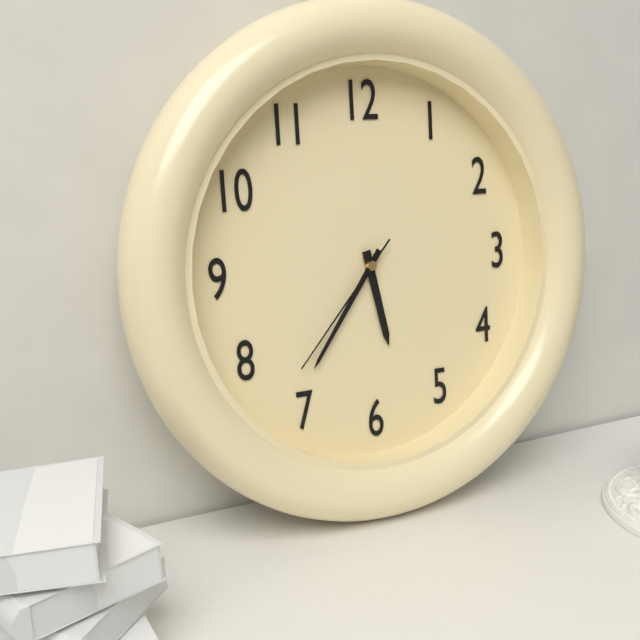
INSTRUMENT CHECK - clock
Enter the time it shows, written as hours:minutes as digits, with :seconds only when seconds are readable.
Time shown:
5:36:37
